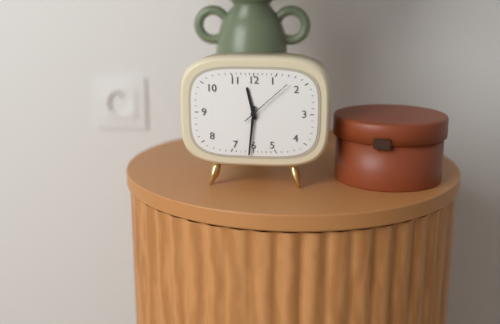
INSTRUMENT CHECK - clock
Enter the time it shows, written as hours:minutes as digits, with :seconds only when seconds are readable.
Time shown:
11:31:08
